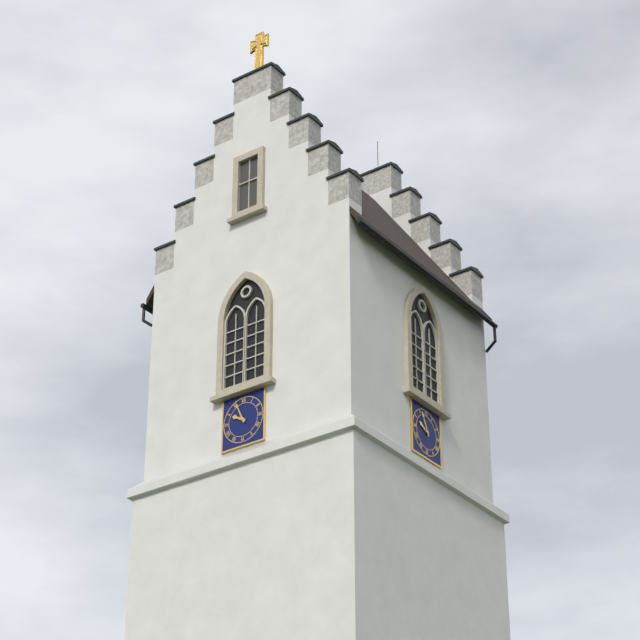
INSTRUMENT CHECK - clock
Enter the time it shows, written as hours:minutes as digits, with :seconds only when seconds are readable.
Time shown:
9:56
